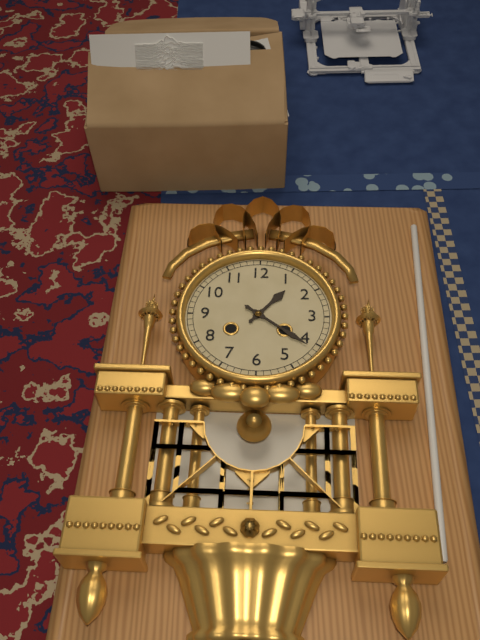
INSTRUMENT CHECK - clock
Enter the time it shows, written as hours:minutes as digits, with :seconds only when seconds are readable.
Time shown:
1:21
